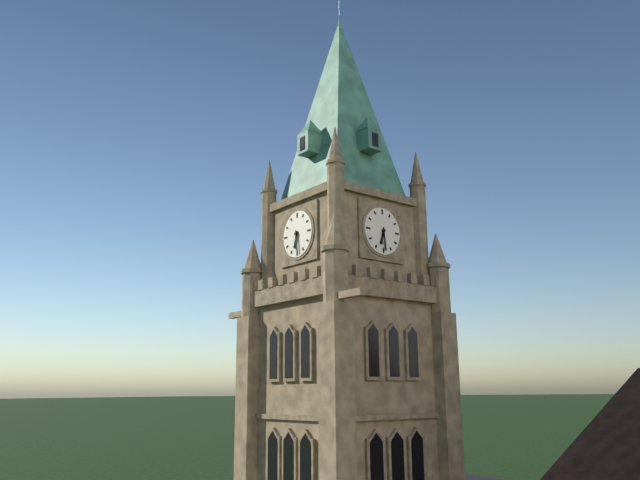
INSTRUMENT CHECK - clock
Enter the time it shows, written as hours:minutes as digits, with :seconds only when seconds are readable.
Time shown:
6:29
